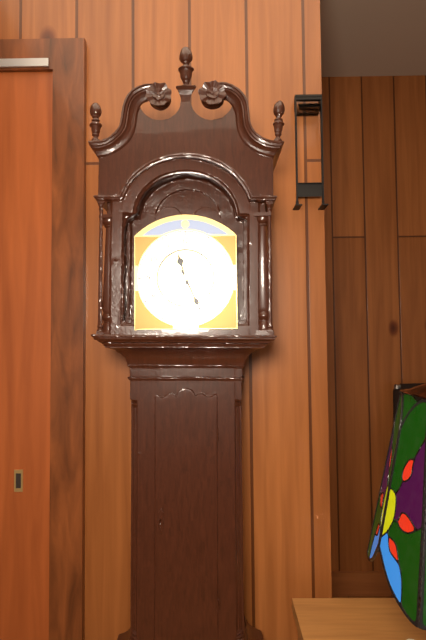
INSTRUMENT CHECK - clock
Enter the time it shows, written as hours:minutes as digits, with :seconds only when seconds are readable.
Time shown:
11:26
